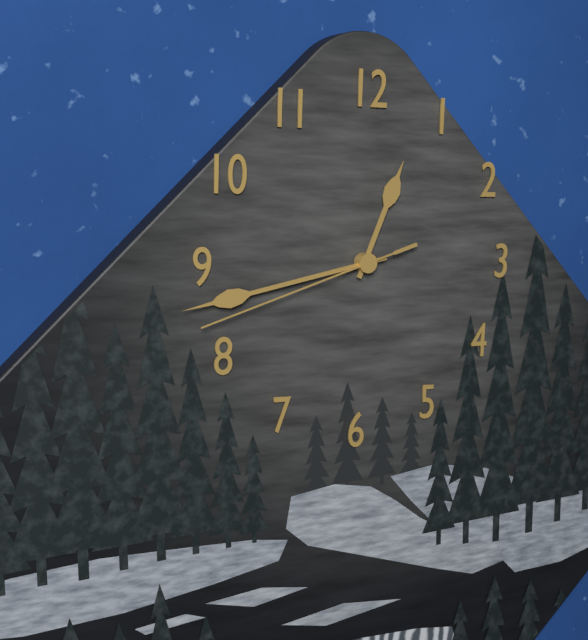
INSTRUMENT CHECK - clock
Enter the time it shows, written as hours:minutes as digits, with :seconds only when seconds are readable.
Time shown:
12:43:42
